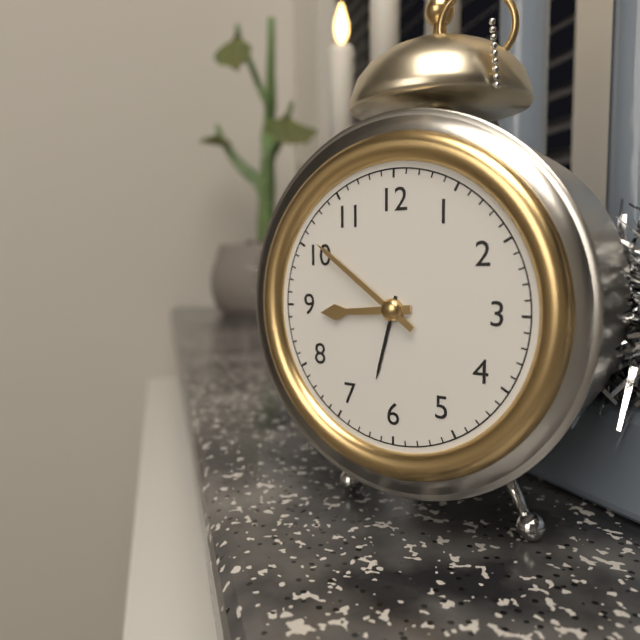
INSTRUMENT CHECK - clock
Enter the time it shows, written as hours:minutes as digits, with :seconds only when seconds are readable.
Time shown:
8:51
